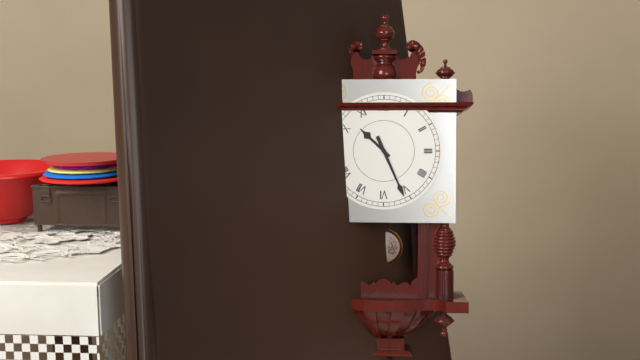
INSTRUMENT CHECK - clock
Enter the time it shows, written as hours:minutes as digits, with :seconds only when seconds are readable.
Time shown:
10:26
